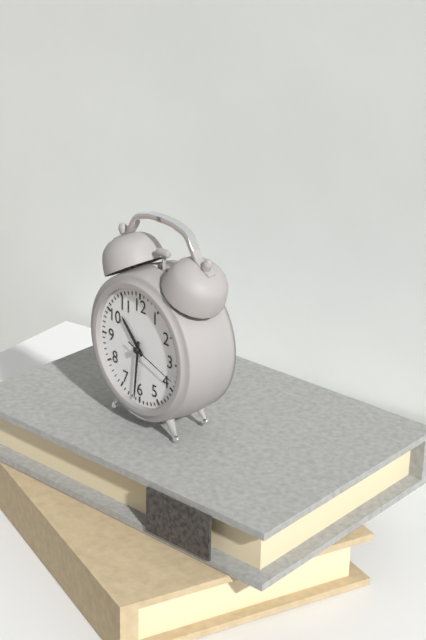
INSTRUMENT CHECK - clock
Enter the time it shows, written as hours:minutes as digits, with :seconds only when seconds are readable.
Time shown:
10:31:18
